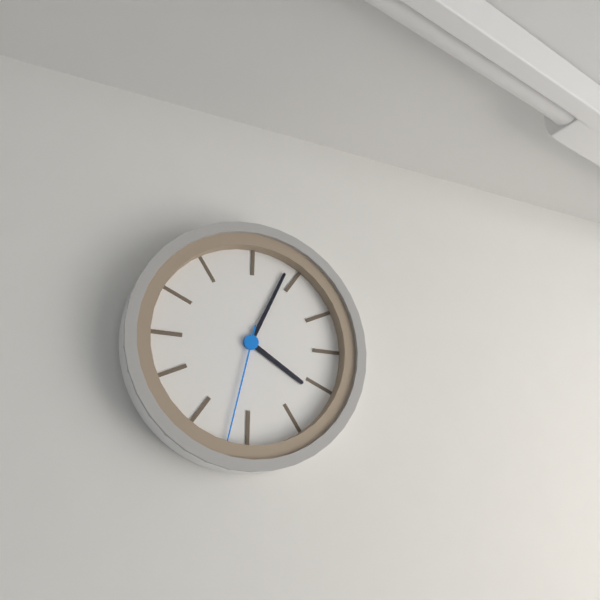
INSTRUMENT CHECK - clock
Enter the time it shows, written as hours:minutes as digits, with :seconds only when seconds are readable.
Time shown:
4:04:32
